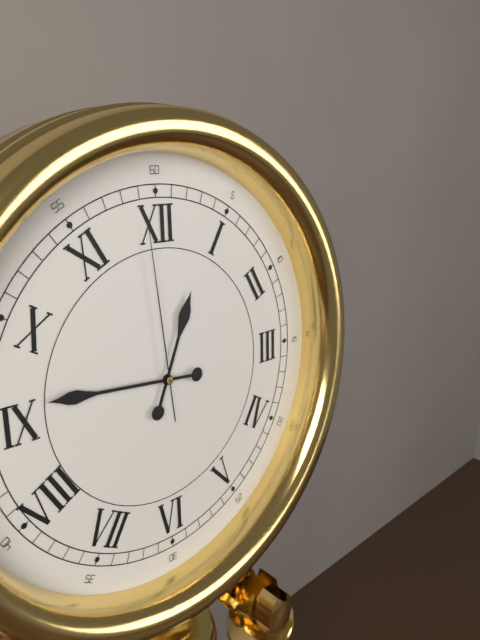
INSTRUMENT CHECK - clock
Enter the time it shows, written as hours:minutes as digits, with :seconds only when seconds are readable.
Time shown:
12:46:59
